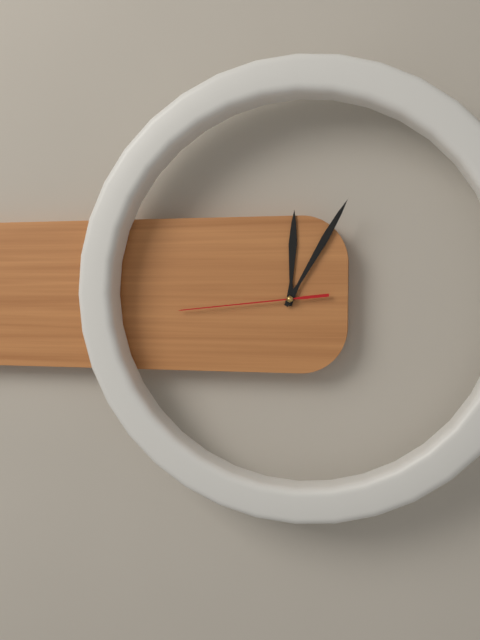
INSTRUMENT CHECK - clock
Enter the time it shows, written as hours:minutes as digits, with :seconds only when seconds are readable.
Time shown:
12:05:44
